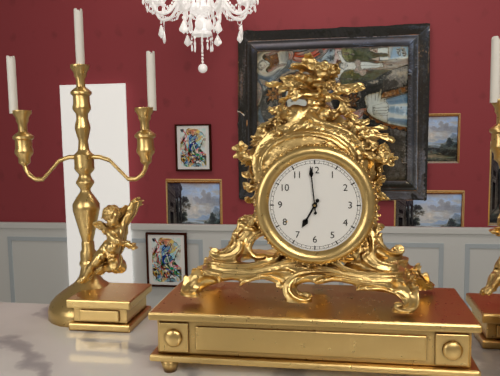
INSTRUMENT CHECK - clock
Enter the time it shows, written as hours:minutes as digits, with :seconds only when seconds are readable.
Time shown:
6:59
